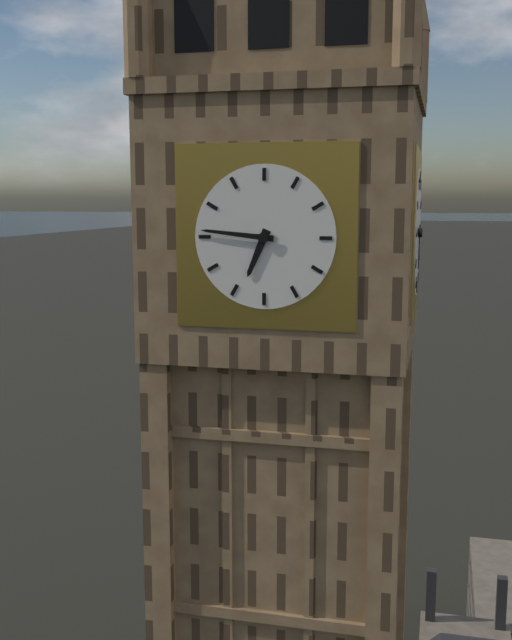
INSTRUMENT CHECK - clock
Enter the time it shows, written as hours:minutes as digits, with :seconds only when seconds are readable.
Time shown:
6:46
